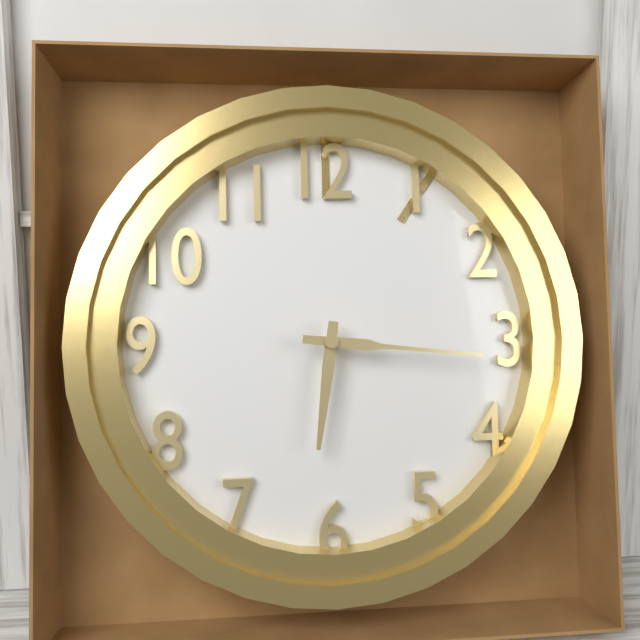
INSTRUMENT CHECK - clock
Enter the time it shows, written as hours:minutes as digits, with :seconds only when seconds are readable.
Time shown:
6:16
